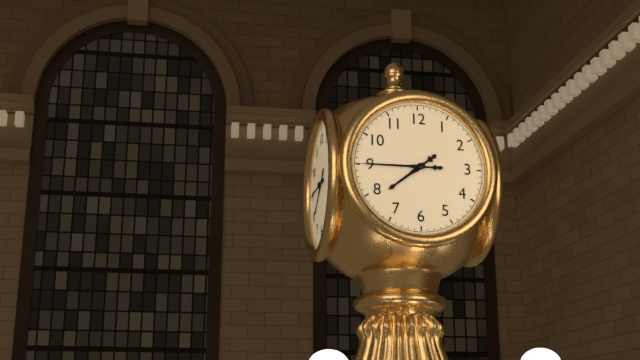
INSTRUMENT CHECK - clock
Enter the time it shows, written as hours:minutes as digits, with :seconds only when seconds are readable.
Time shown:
7:45
